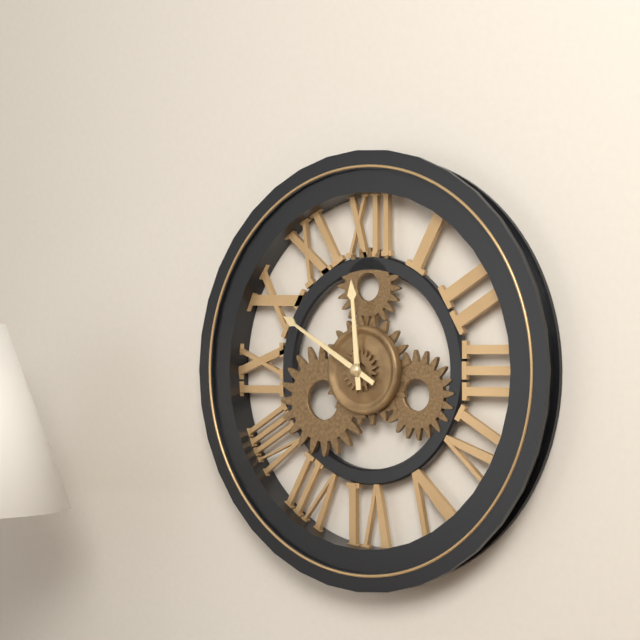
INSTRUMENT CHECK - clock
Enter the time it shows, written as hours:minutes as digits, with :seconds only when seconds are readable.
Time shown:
11:50
